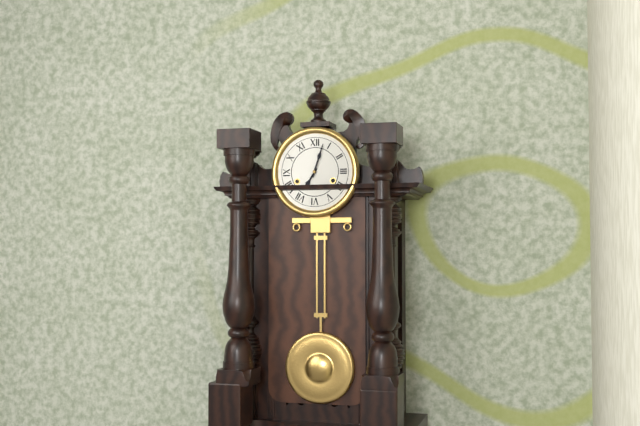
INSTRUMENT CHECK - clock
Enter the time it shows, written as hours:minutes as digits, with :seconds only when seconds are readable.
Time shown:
7:03
